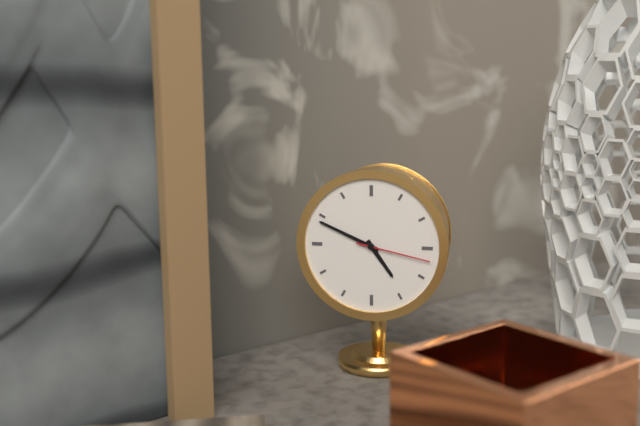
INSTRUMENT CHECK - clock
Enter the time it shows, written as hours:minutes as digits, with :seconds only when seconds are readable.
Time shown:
4:49:17
